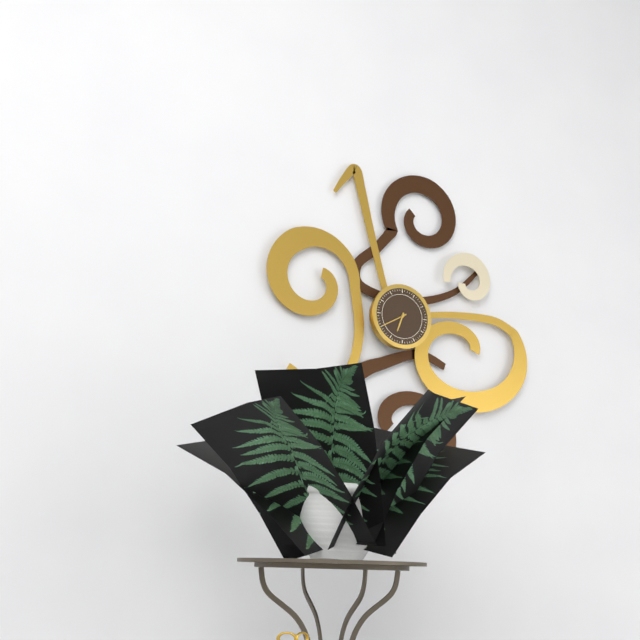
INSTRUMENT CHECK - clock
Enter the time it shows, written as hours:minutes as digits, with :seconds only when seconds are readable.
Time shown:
6:40
